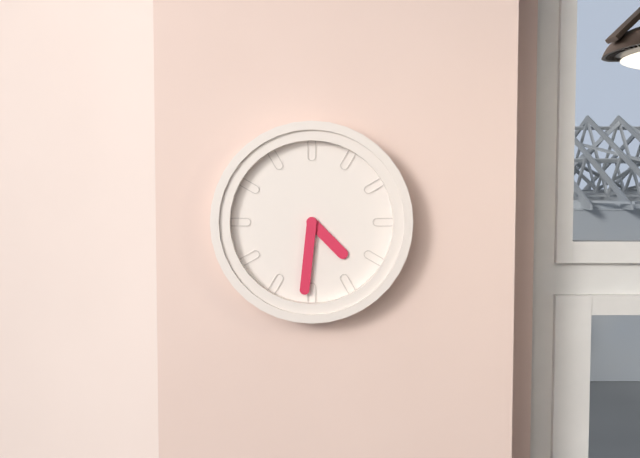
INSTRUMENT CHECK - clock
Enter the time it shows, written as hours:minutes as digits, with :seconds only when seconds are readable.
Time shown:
4:31
